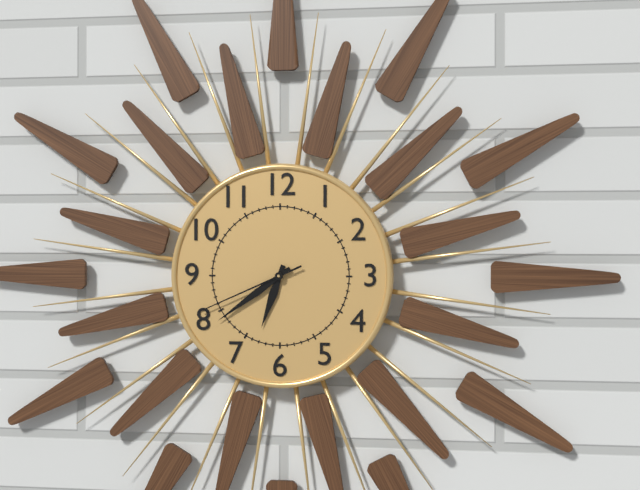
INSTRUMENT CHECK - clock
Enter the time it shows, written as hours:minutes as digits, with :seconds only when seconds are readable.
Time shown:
6:39:41
